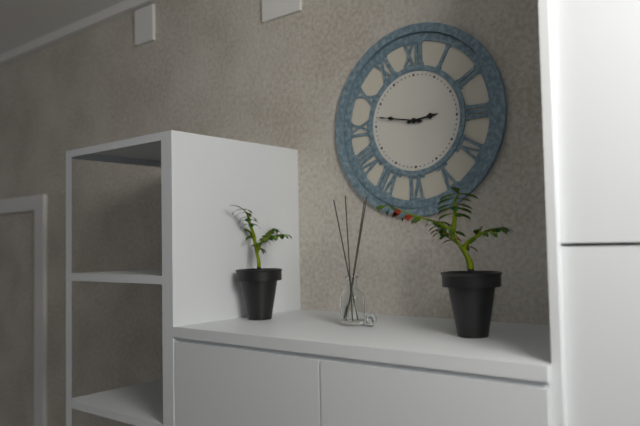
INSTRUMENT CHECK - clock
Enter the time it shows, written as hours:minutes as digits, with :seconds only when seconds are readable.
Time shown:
2:47
